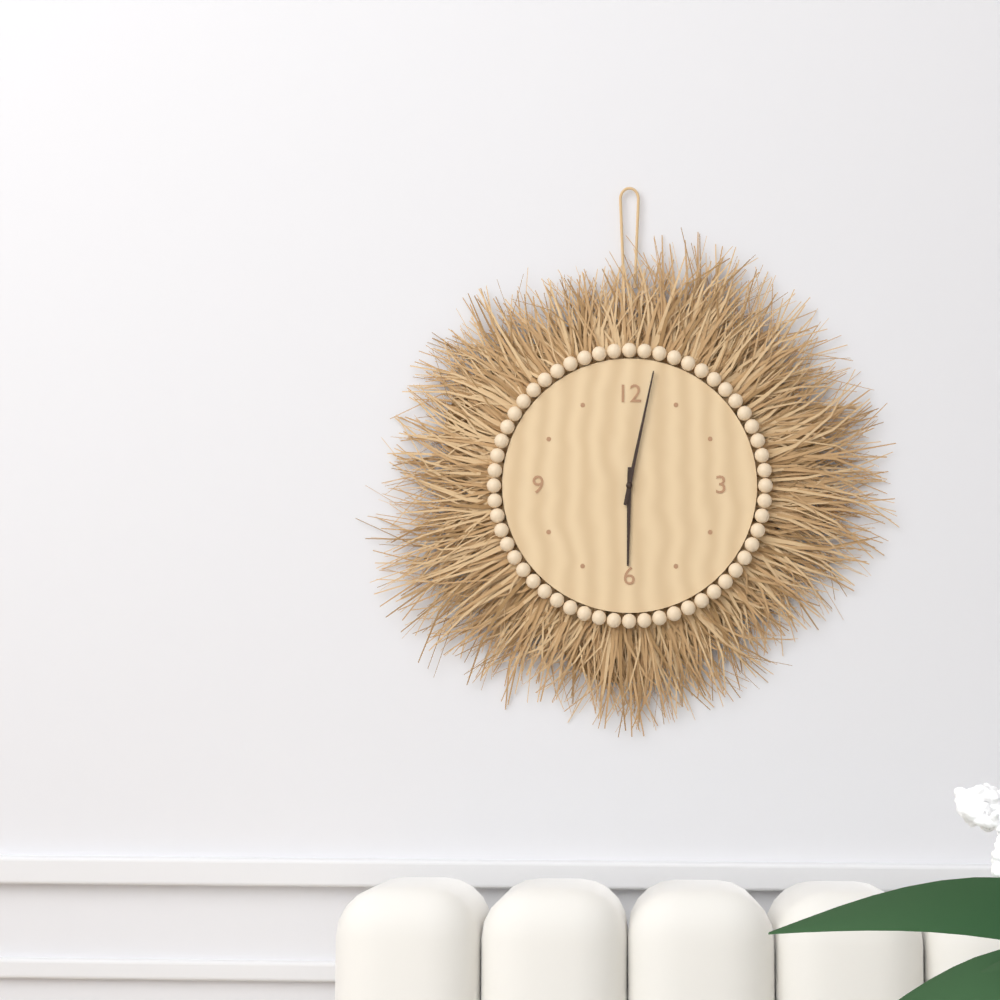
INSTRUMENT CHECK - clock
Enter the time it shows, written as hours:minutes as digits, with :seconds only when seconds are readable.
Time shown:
6:02
